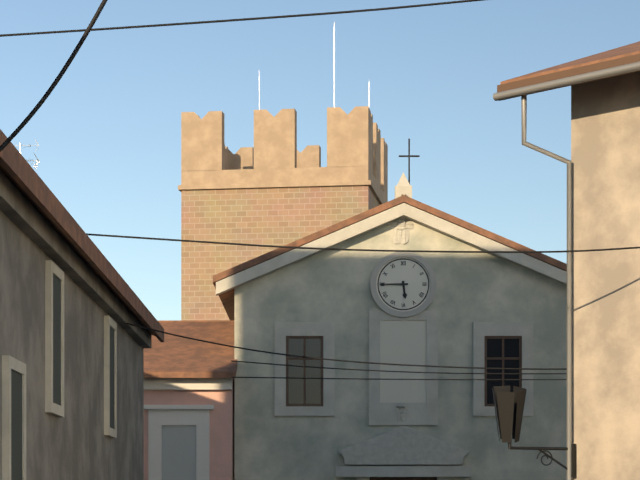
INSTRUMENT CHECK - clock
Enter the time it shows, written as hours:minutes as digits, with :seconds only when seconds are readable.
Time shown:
5:45
